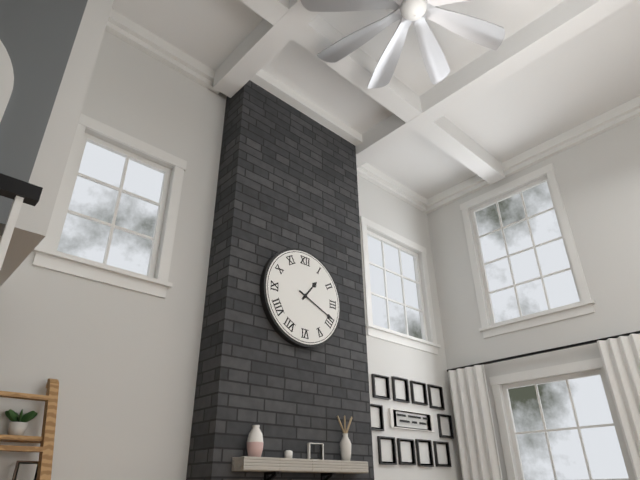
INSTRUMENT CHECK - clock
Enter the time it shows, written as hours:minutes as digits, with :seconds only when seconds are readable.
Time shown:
1:19
